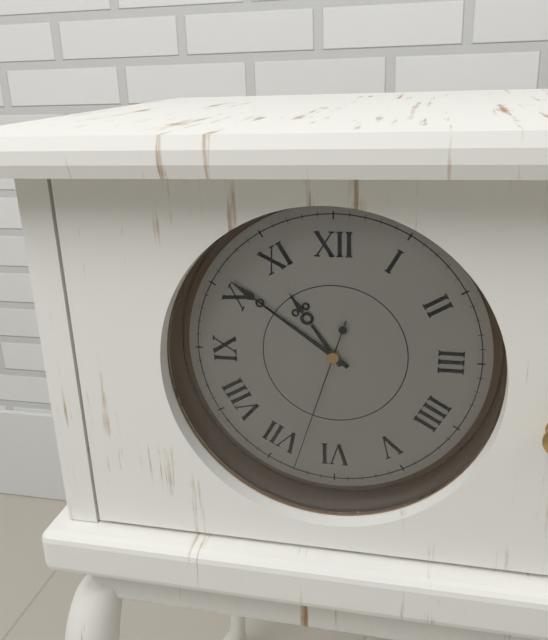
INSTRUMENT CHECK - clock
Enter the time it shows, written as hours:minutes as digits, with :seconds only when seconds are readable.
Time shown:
10:51:33
